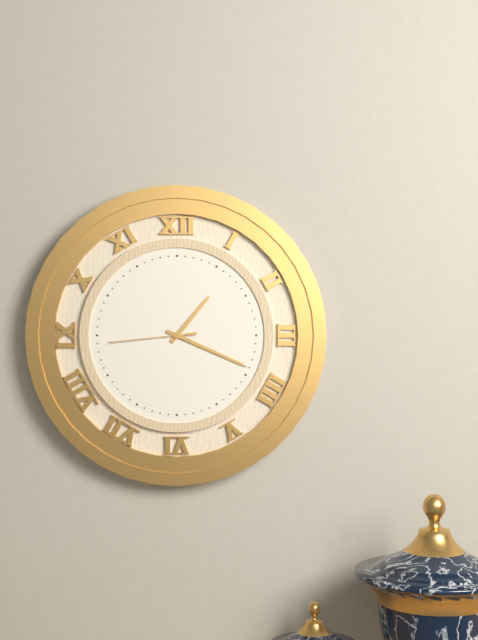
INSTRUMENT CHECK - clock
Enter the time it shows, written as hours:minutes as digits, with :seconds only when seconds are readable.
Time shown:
1:19:44
